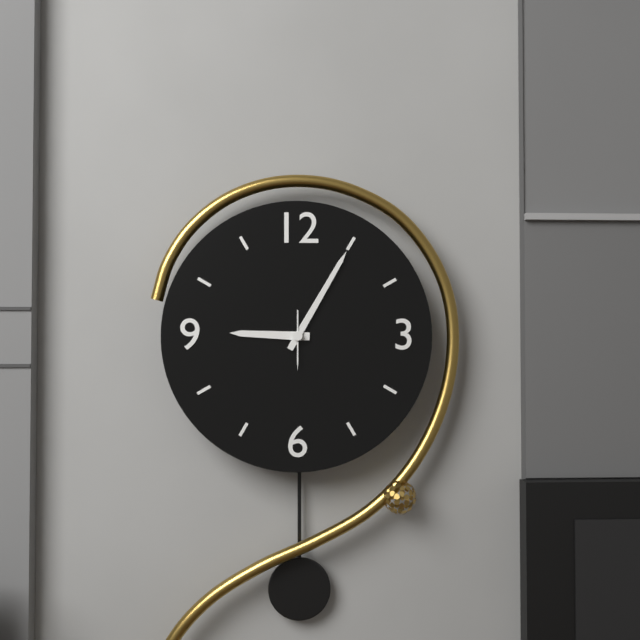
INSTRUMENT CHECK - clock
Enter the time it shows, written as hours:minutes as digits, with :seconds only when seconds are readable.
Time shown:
9:05
